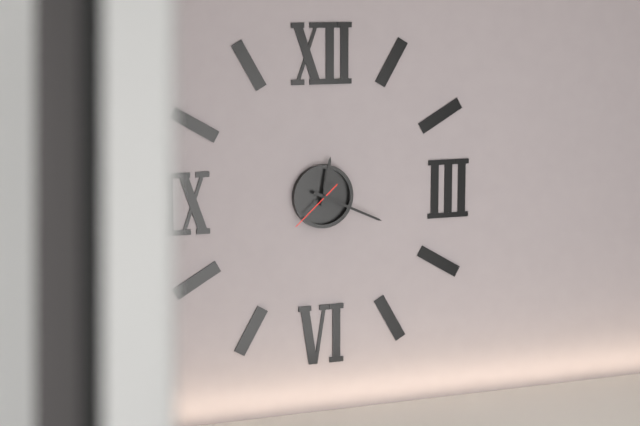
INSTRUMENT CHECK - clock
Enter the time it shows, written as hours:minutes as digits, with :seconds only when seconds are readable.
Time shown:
12:19:38
